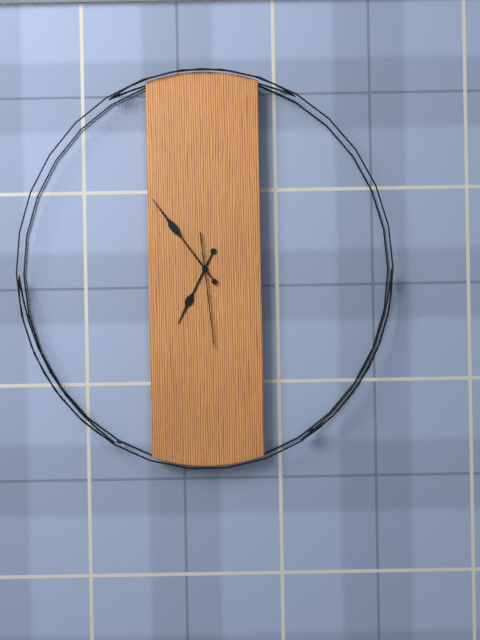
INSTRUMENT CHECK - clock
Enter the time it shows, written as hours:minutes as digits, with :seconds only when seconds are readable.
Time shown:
6:54:29
